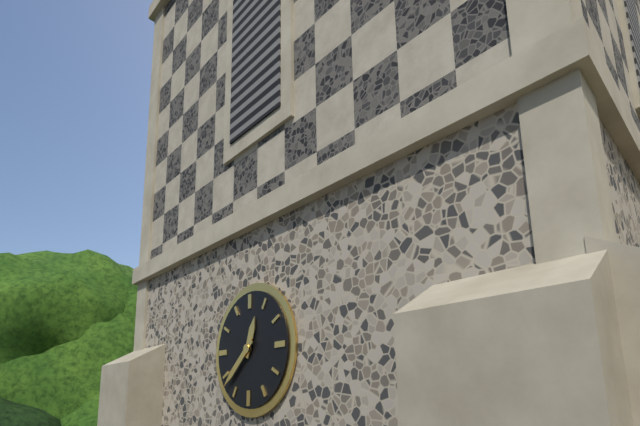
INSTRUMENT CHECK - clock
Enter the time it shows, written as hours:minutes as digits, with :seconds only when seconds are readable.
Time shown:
12:38
